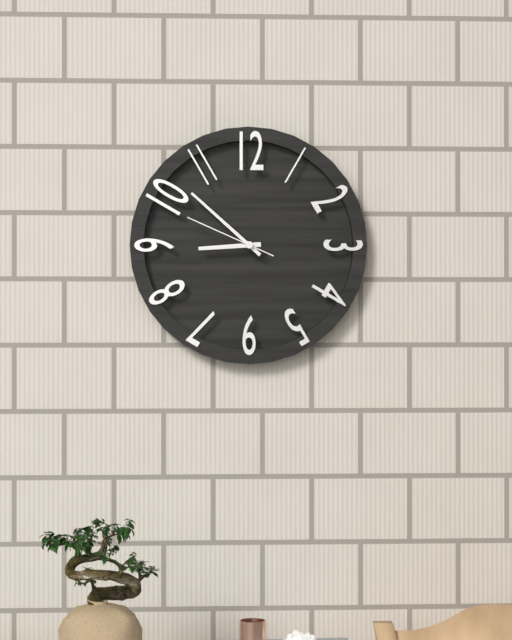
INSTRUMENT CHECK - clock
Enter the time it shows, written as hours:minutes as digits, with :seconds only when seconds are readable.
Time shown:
8:52:49
